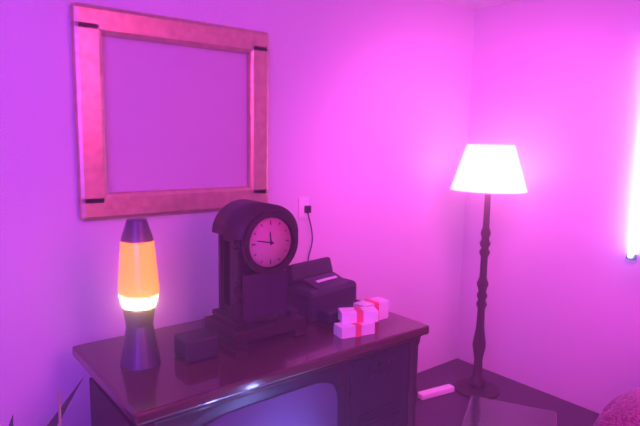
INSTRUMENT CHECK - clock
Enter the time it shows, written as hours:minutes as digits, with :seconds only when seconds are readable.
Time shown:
11:47
